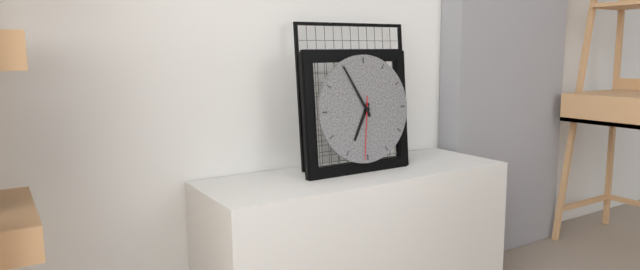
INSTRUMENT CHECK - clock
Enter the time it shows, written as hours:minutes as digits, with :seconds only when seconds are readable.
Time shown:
6:55:31
